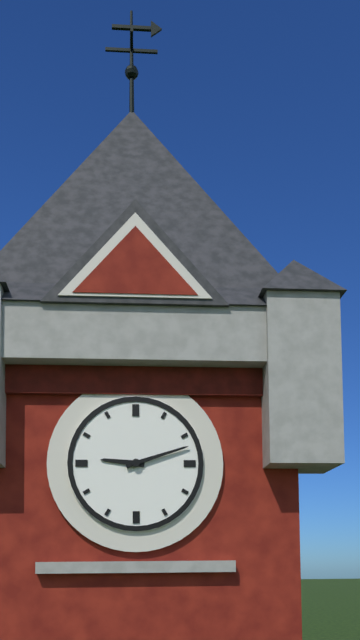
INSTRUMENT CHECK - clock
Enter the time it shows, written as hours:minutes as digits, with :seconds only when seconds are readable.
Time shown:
9:12
